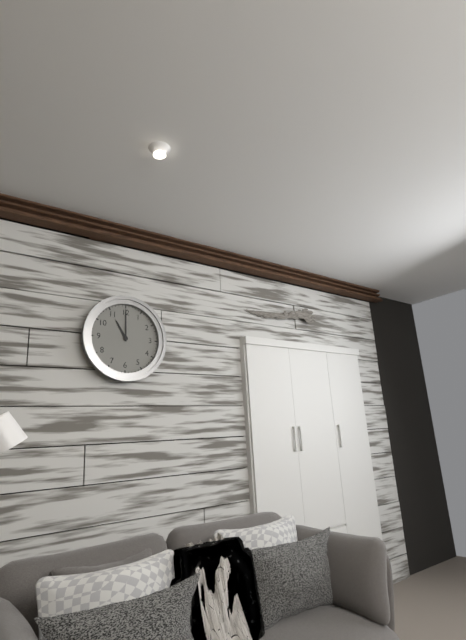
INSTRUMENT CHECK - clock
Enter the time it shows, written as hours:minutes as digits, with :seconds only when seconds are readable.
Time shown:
11:00
